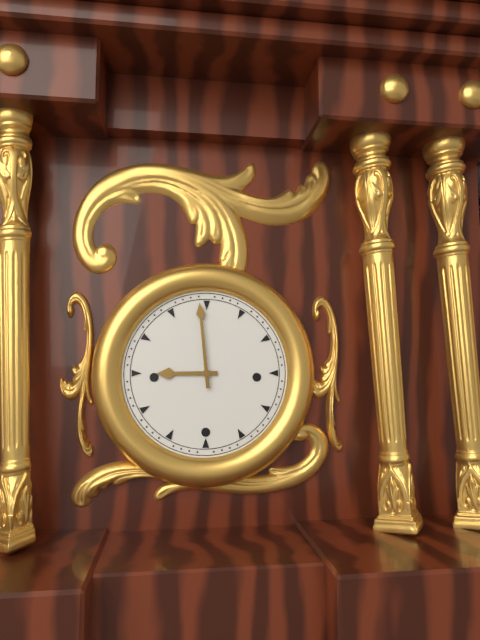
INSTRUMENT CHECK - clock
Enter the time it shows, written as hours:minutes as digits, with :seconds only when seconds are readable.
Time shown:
8:59
